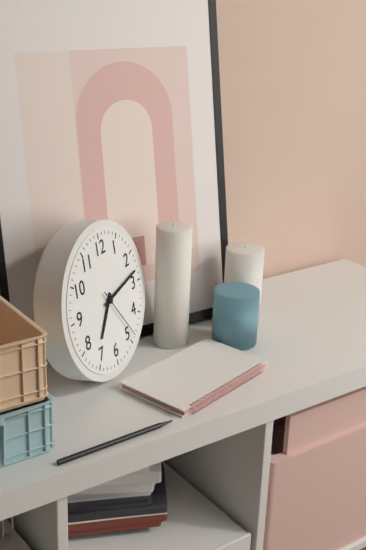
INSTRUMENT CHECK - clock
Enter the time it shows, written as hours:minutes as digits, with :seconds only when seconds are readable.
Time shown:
7:13:24
